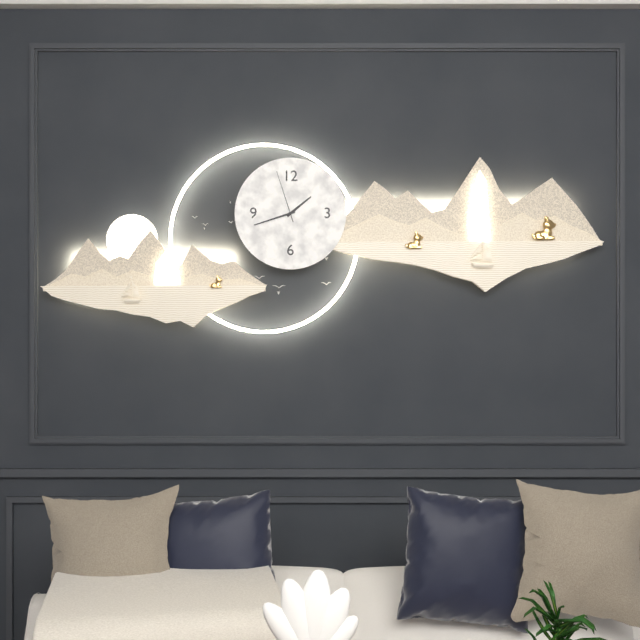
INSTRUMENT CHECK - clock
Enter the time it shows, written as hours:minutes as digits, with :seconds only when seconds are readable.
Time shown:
1:42:57
